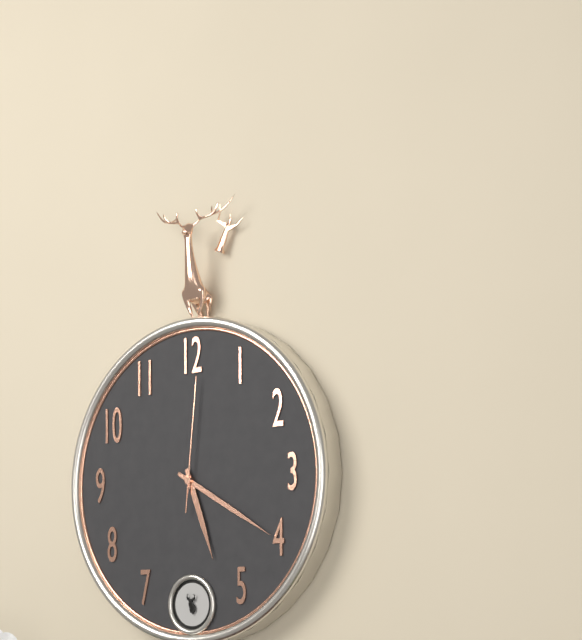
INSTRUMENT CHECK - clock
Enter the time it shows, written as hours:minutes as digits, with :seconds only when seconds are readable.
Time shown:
5:20:01
